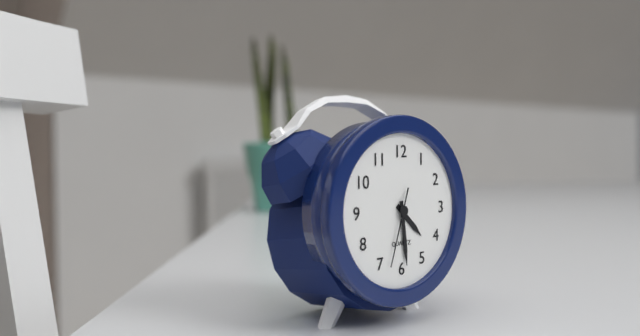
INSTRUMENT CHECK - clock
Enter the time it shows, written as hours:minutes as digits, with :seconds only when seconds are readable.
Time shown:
4:29:33
